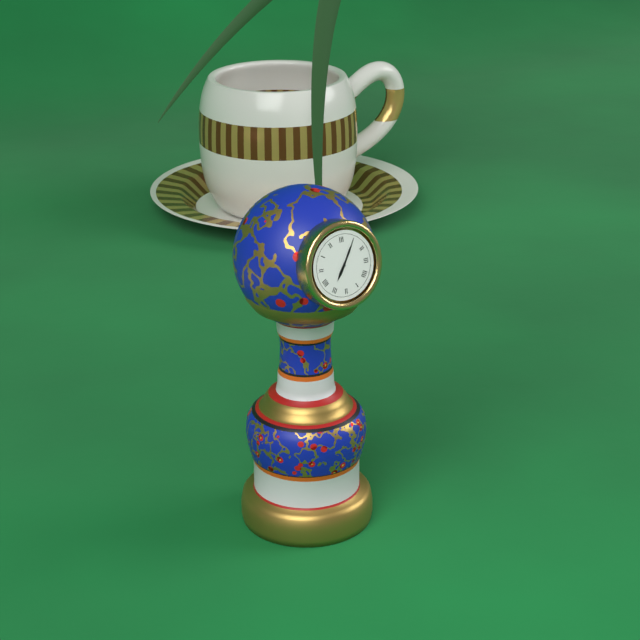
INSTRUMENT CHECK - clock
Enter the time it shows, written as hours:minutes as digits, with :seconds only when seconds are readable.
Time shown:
7:05
